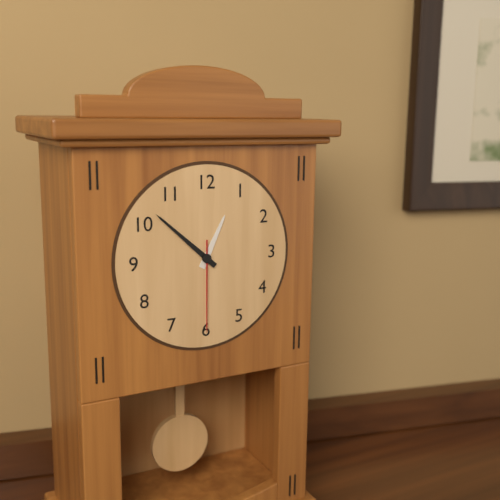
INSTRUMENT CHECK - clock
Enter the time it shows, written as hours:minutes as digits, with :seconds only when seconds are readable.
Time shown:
12:52:30
